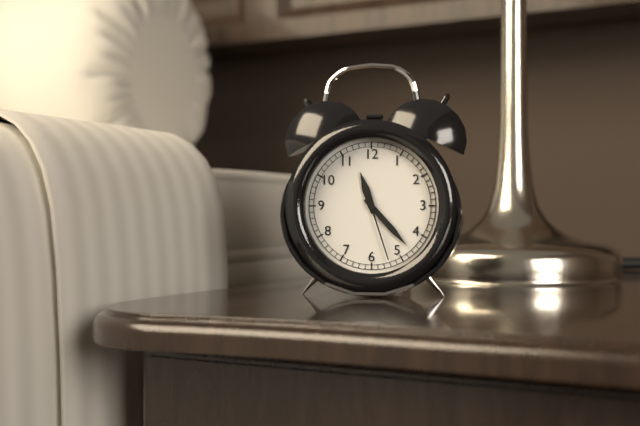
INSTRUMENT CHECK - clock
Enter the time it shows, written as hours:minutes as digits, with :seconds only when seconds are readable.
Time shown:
11:23:27
